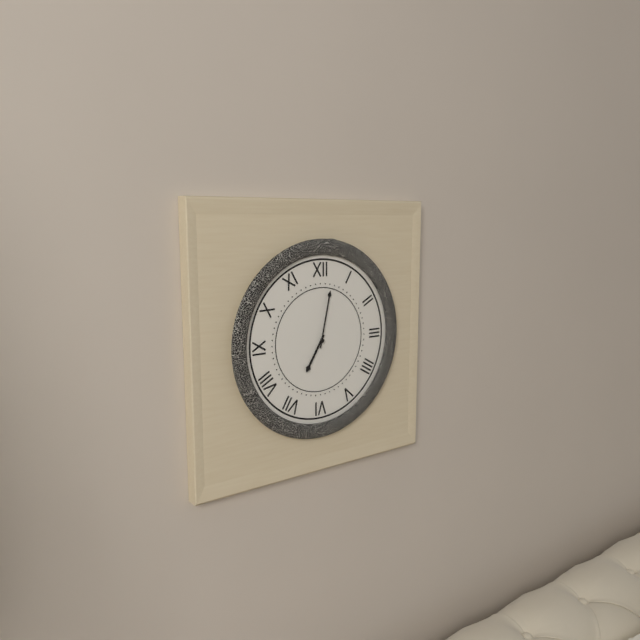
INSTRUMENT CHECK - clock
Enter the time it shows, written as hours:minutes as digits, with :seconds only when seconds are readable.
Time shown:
7:02
